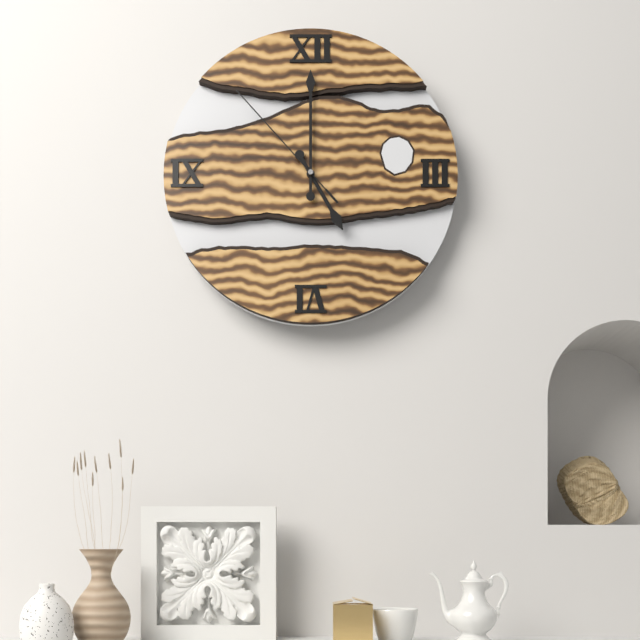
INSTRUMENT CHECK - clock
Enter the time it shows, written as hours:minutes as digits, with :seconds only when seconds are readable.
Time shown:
5:00:53
